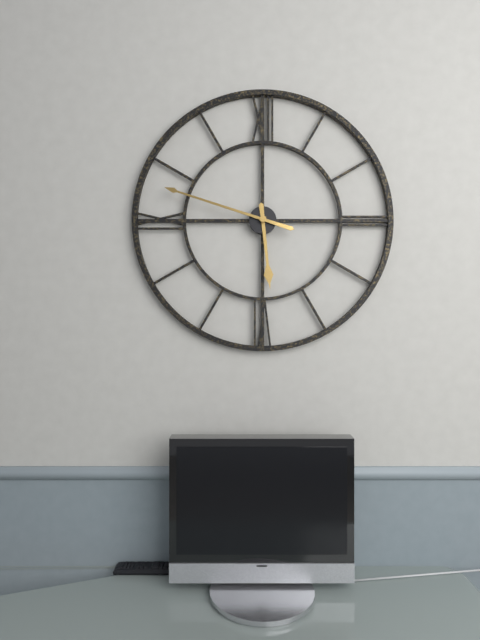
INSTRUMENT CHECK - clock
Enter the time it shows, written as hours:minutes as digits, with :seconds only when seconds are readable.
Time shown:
5:48
